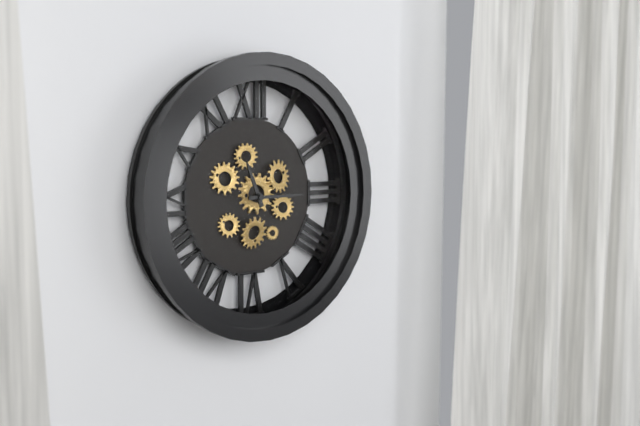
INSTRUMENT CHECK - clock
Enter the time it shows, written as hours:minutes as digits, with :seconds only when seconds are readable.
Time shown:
11:15
